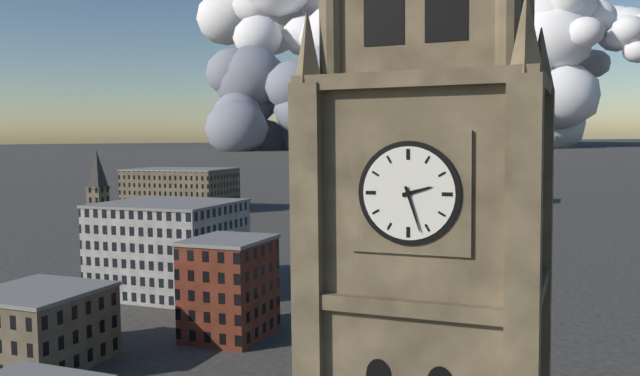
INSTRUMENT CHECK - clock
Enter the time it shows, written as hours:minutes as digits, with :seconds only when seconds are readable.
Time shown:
2:27
